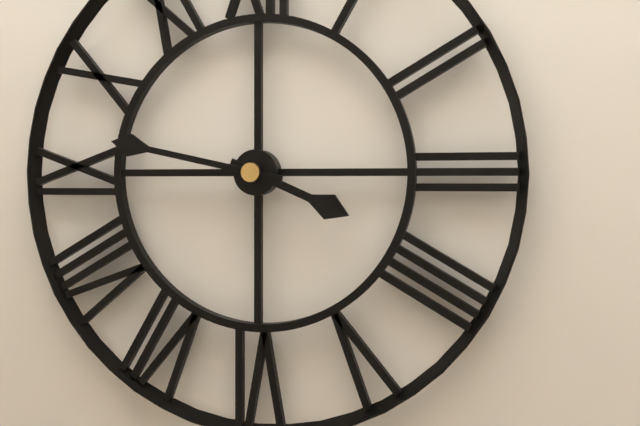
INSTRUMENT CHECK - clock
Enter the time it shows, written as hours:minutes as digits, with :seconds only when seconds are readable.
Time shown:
3:47
